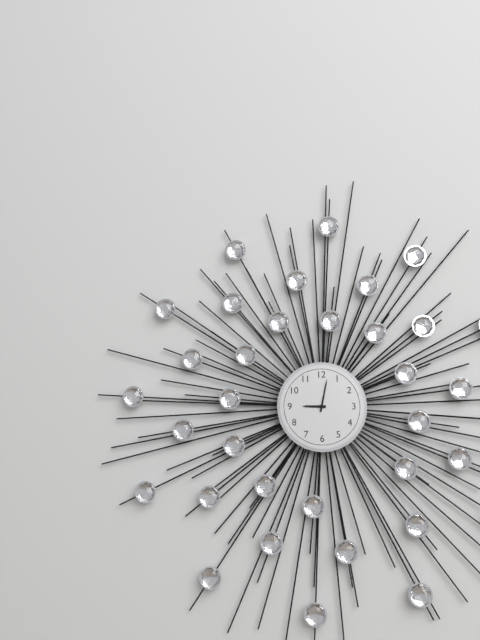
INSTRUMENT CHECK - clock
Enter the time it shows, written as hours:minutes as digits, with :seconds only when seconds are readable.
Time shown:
9:02
